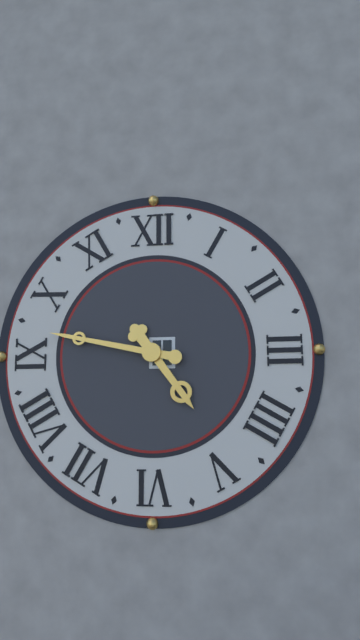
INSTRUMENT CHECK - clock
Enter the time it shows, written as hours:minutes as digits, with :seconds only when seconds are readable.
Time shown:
4:47
